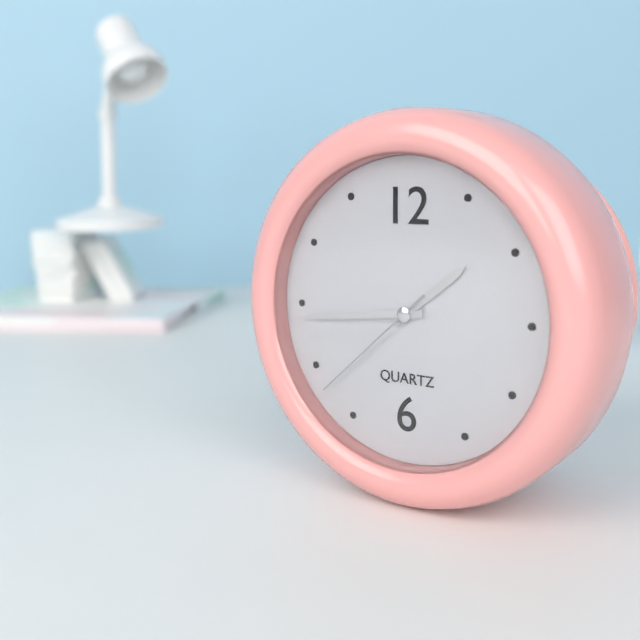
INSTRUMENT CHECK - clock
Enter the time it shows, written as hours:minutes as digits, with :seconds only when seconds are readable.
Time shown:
1:44:38
